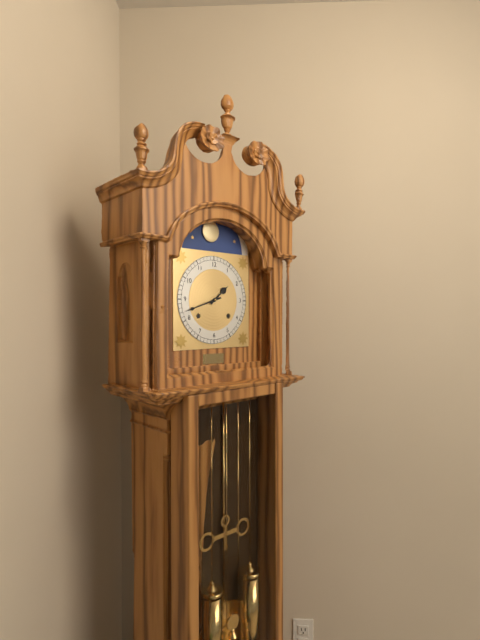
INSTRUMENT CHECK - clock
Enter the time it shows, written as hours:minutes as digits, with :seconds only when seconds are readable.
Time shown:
1:42
